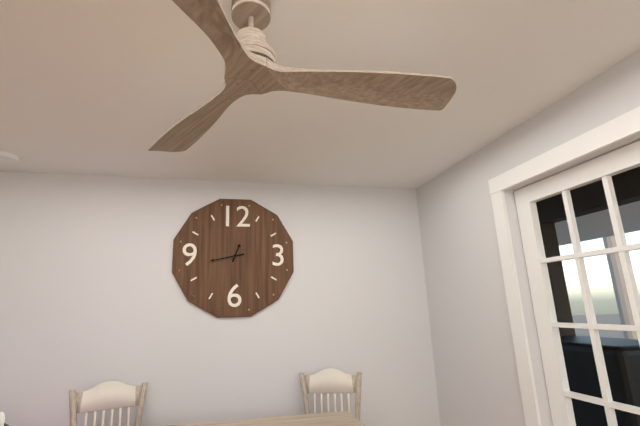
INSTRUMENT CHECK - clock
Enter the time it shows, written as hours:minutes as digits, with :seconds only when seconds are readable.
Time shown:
12:43
